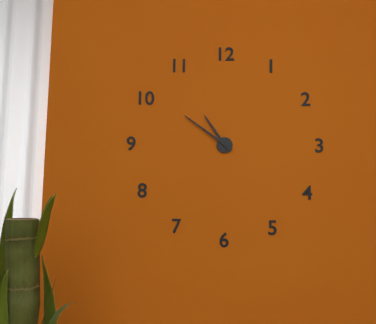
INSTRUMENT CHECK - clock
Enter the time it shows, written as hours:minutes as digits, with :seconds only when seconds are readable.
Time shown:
10:51
